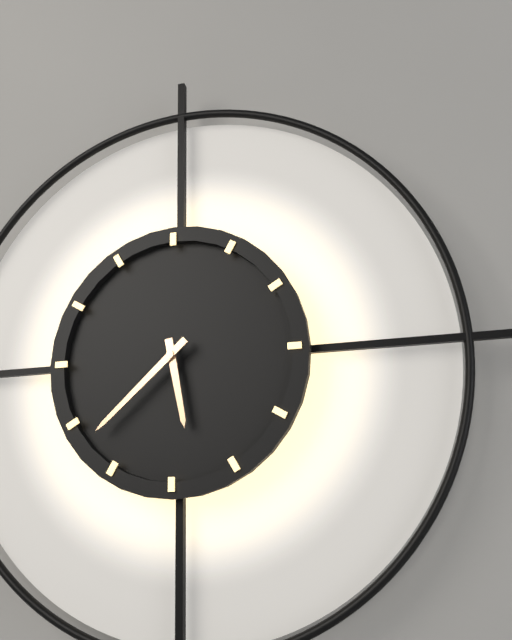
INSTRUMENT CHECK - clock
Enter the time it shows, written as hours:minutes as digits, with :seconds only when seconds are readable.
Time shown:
5:38
